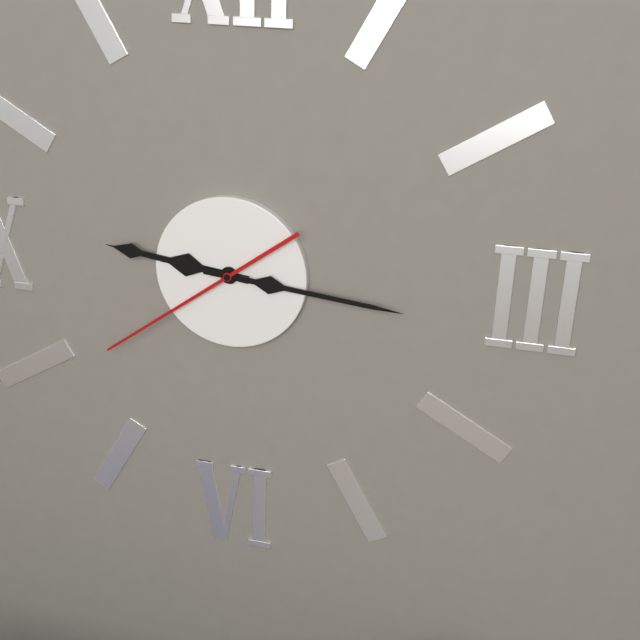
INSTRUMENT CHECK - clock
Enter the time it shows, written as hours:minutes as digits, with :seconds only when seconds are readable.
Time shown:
9:16:39
